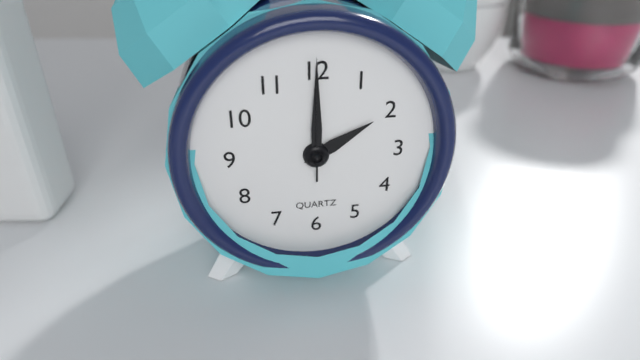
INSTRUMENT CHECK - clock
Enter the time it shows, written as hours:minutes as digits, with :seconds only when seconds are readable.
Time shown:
2:00:00
